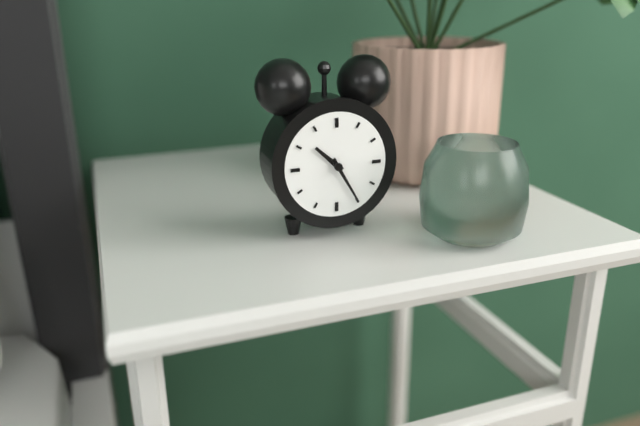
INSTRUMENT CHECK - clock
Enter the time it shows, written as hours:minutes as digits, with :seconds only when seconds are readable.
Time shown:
10:25
